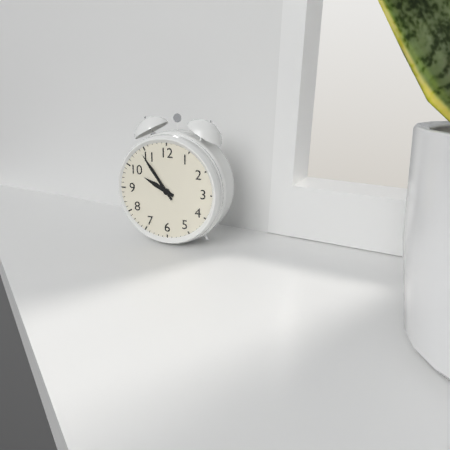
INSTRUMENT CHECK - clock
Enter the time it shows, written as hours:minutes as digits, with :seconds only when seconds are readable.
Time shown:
9:54
